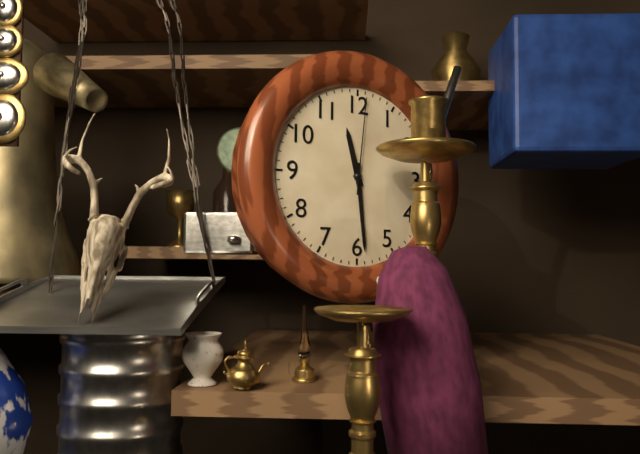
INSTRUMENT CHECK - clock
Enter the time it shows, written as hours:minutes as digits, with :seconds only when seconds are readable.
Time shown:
11:29:01
